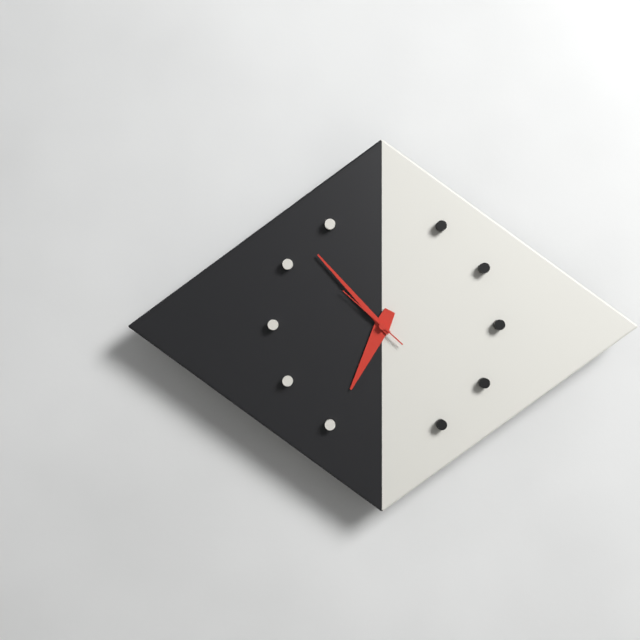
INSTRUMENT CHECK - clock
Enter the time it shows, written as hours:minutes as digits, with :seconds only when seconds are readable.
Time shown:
6:53:52
